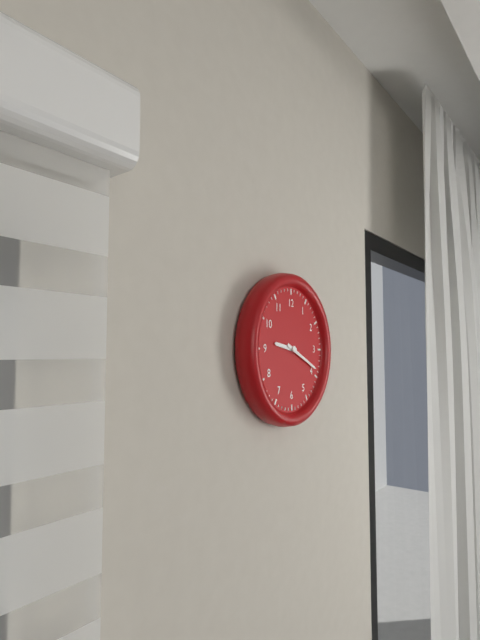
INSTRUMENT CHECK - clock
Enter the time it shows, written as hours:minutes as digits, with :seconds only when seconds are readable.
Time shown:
9:19
